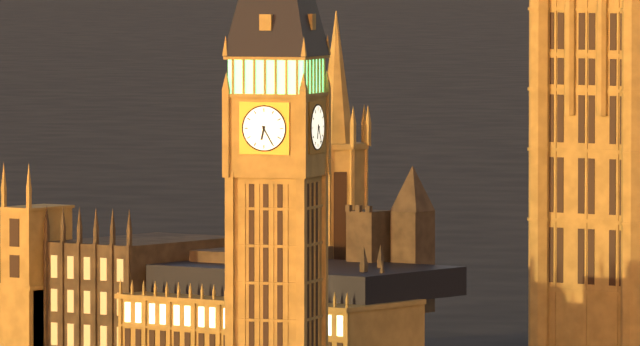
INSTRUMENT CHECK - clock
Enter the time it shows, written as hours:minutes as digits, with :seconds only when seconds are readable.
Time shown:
6:25
